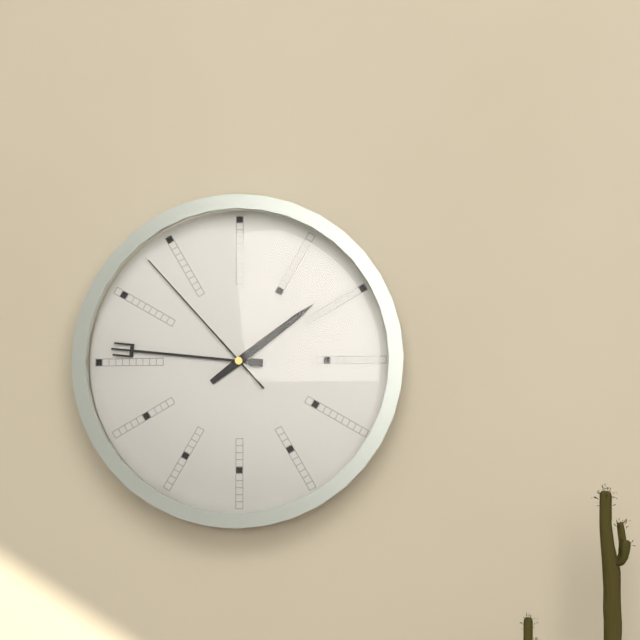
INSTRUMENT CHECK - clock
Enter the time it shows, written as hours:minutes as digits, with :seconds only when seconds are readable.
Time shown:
1:46:53
